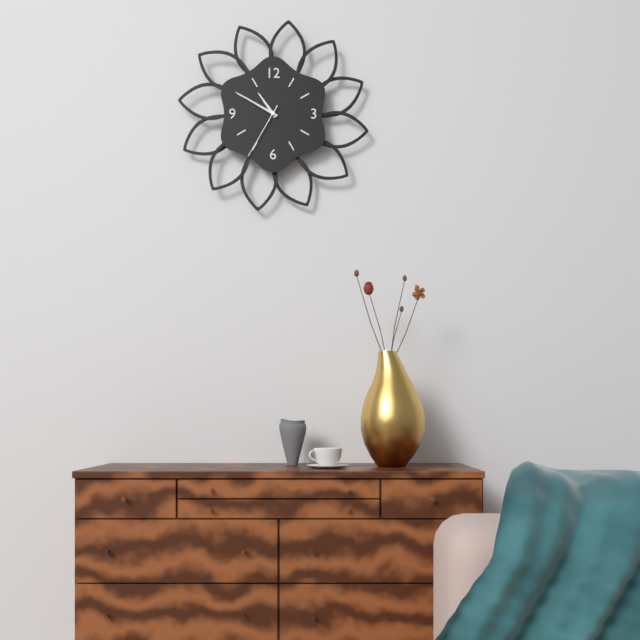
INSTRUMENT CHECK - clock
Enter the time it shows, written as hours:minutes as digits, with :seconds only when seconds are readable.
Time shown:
10:50:35
